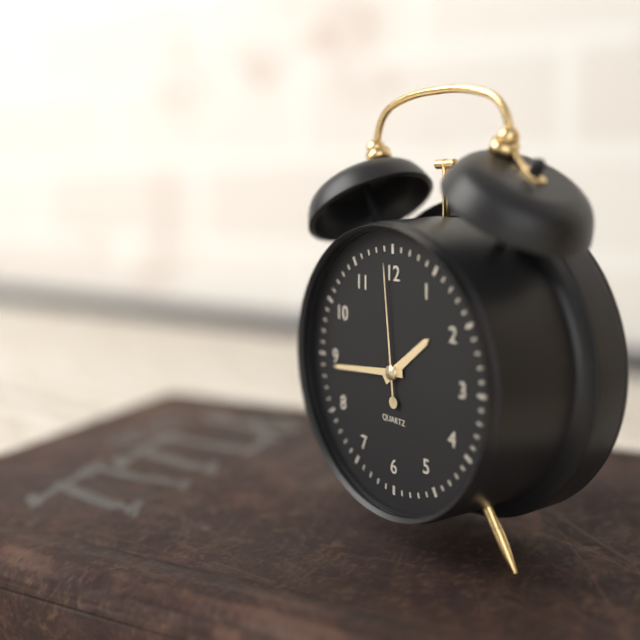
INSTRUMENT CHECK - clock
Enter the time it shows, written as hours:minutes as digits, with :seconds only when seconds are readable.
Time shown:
1:44:59
